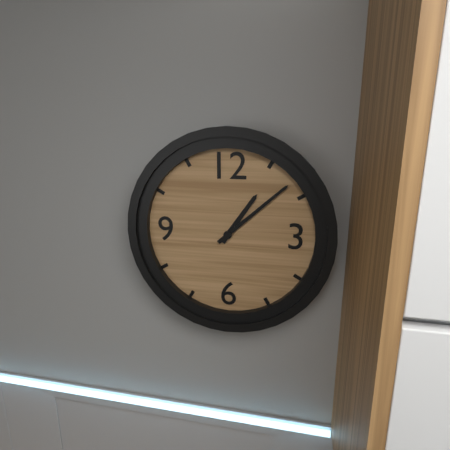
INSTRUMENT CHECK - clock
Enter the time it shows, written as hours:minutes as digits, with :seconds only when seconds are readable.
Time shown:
1:08
